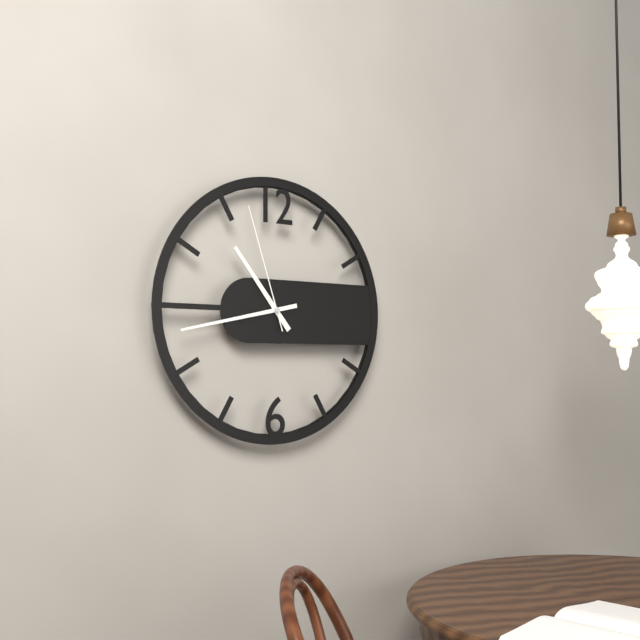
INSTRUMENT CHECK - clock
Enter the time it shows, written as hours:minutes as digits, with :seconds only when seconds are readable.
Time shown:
10:43:57
